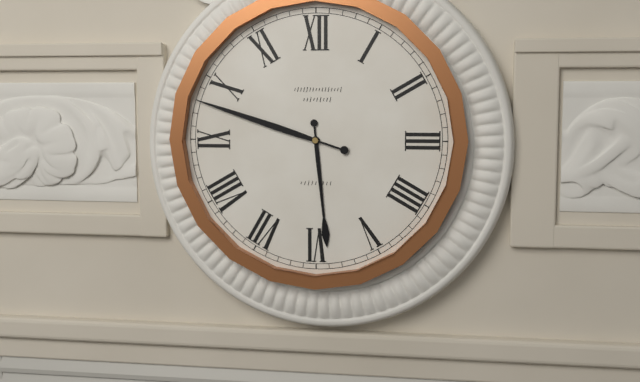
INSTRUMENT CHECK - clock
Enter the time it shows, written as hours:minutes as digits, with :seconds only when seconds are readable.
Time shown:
5:48
